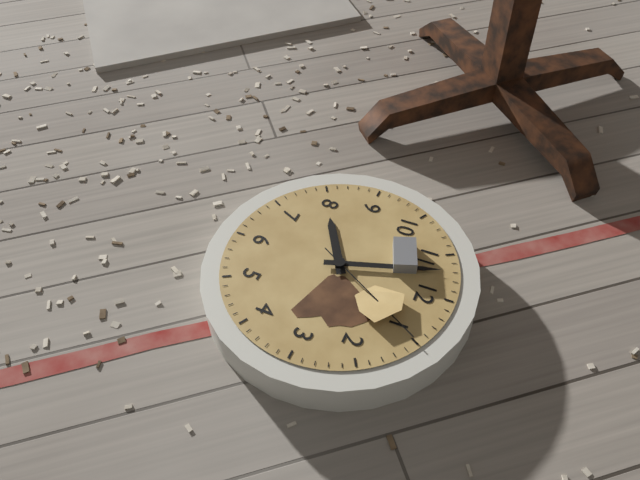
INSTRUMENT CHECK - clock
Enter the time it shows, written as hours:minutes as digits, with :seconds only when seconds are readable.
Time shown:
7:57:05
